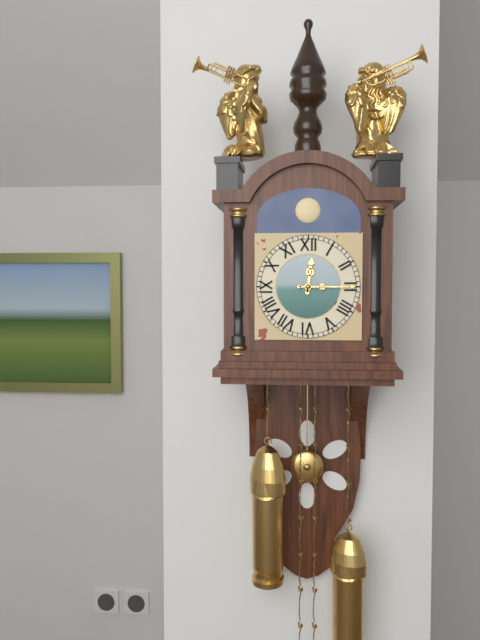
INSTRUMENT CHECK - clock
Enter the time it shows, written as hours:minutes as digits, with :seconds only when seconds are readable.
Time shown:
12:15
